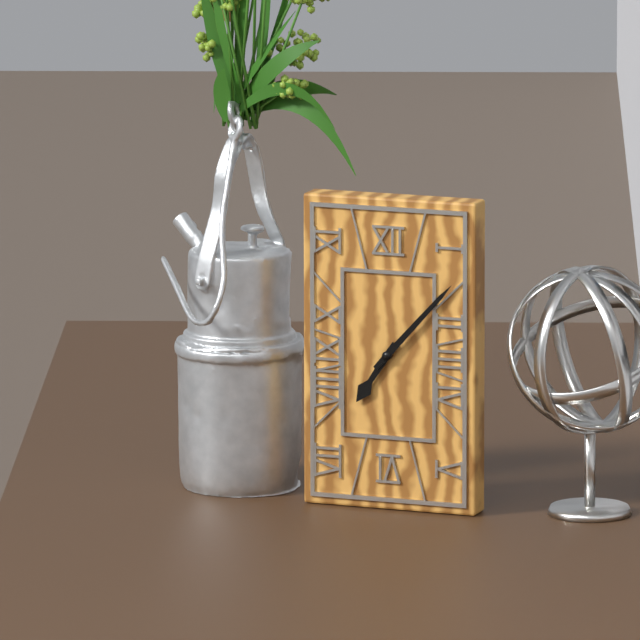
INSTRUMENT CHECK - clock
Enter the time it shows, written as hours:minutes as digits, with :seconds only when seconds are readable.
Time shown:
7:07
